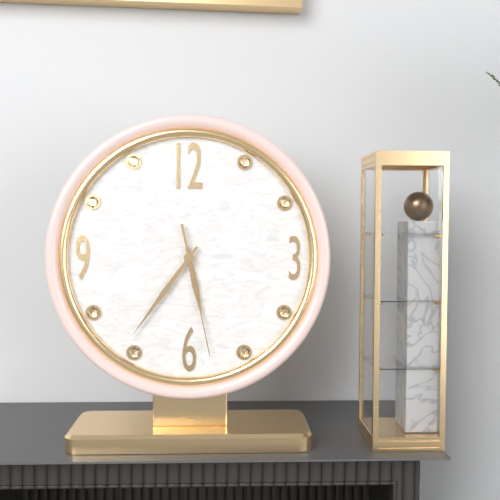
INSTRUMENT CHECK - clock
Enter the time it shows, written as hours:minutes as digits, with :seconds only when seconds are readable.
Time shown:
5:36:28
